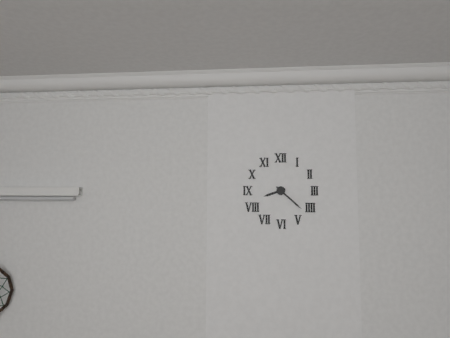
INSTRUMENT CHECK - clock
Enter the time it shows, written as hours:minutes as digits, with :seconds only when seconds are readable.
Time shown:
8:22
